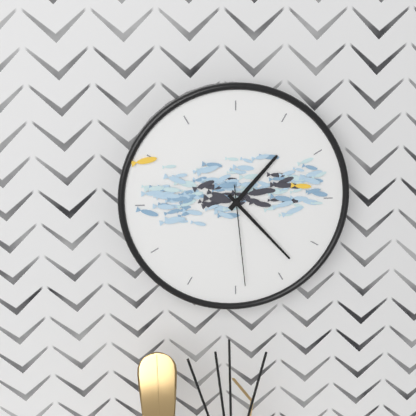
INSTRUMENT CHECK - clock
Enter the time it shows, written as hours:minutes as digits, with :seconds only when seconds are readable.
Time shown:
1:23:29
